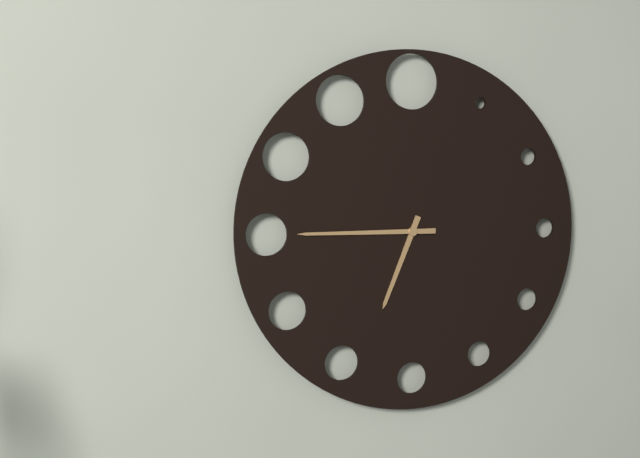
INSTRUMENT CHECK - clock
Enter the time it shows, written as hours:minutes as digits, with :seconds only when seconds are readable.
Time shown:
6:45
